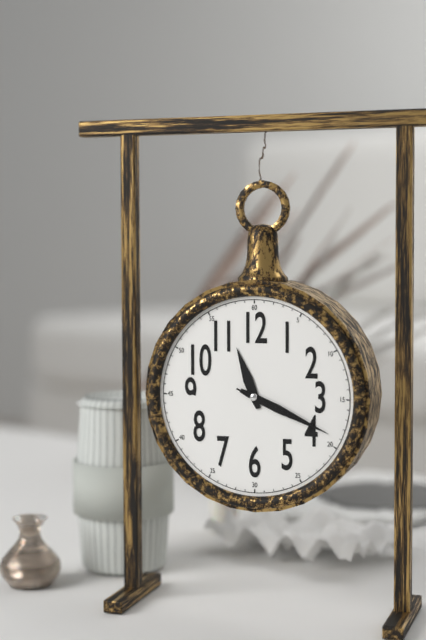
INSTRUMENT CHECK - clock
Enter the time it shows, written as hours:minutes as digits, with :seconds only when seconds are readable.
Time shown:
11:19:19
